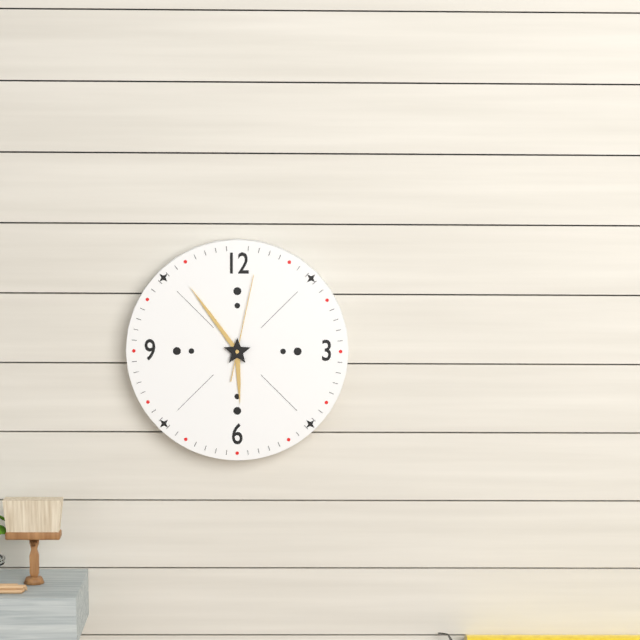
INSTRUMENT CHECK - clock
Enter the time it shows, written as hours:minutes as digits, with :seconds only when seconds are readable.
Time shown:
5:54:02
